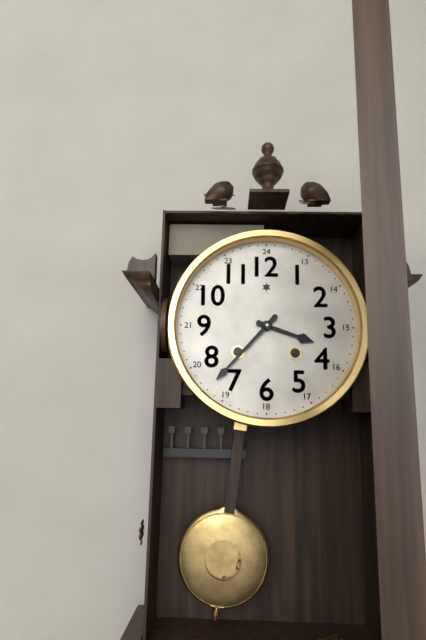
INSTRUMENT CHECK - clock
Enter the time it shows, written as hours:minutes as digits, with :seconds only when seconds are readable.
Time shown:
3:37
